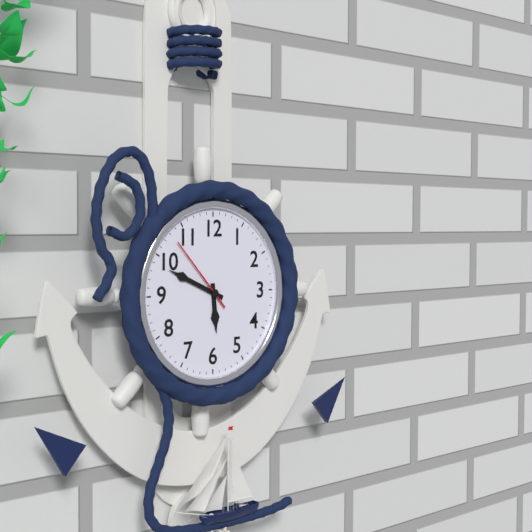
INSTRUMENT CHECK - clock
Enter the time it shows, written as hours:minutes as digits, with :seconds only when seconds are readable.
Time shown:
5:49:53
